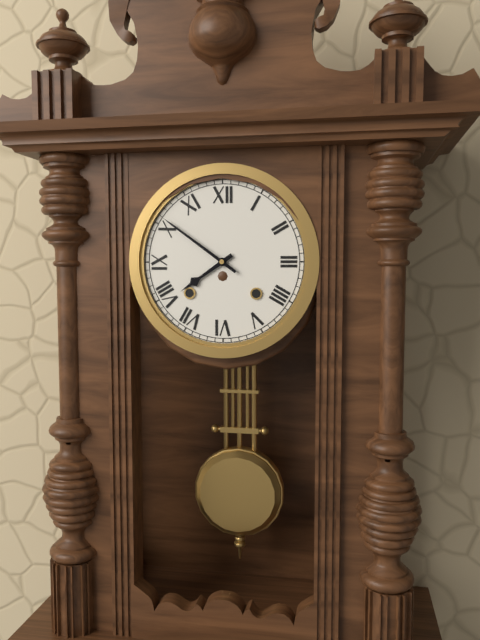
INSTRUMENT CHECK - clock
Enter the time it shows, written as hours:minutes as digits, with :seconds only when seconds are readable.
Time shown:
7:51
